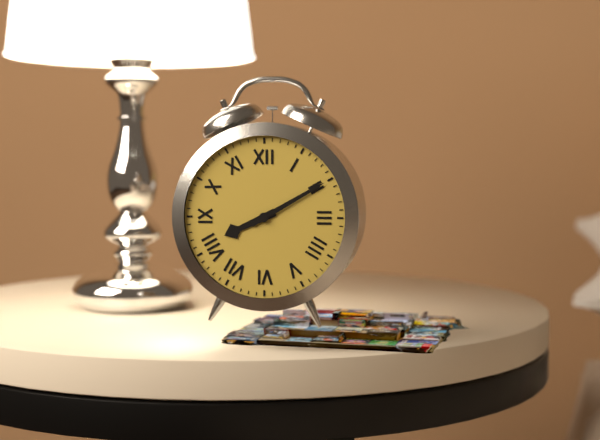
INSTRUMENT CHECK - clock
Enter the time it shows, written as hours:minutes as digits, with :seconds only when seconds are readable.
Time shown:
8:10
